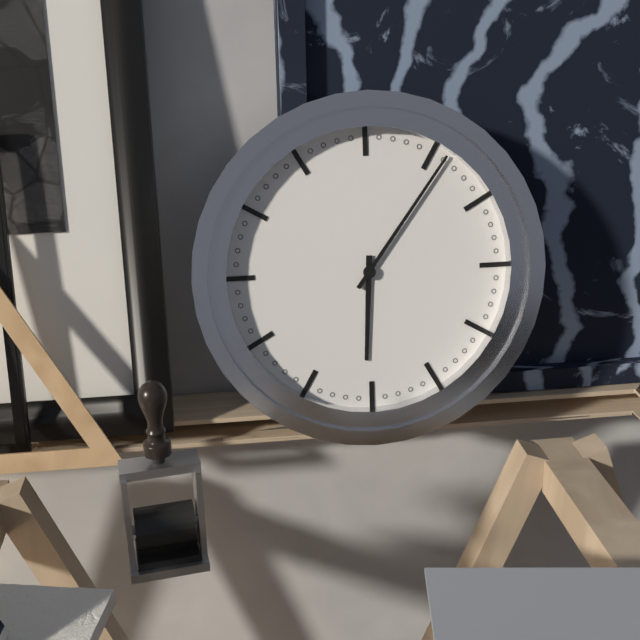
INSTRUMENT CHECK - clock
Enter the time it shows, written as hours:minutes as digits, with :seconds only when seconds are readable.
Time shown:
6:06
